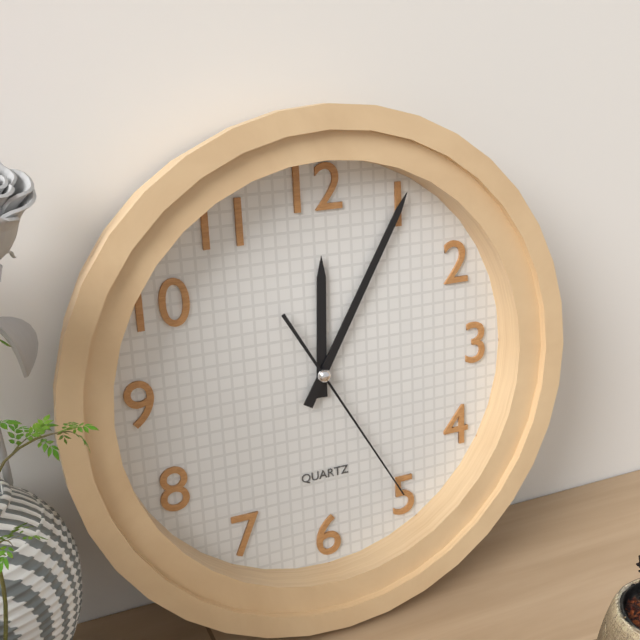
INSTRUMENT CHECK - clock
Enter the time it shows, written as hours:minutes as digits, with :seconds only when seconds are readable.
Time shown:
12:05:25
